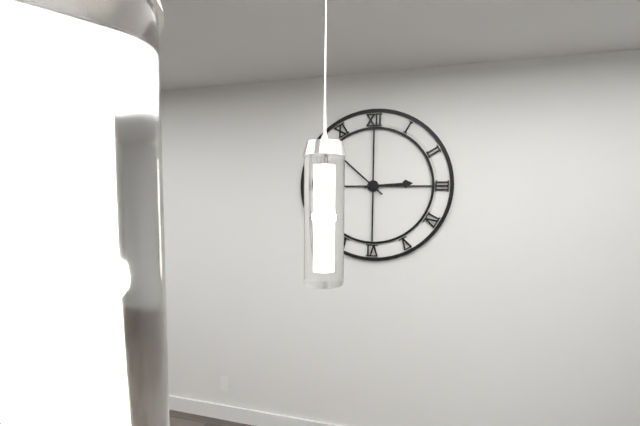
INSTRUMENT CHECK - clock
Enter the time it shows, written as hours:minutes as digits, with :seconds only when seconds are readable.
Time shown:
2:52
